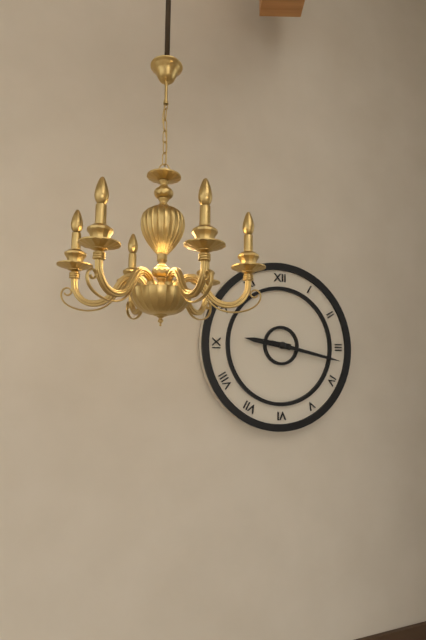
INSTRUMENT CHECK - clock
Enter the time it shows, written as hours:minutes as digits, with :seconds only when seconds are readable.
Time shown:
9:17
